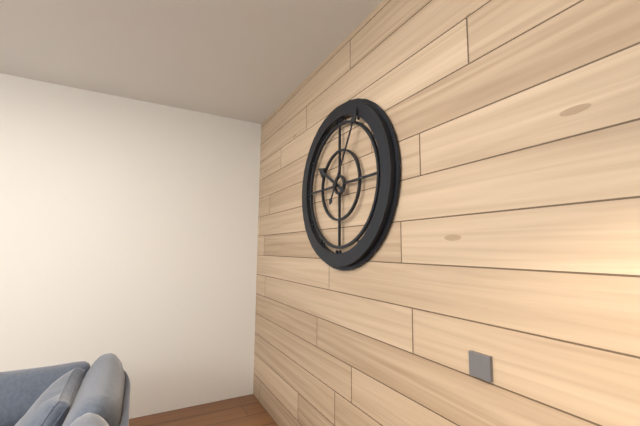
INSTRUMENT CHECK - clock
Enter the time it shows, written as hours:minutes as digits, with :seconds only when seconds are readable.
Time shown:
10:05
